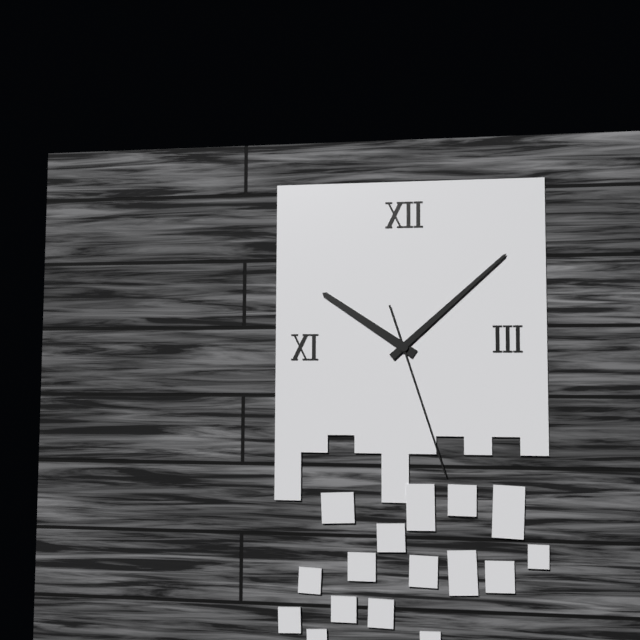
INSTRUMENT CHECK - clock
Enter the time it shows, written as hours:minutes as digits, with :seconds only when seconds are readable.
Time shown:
10:08:27
